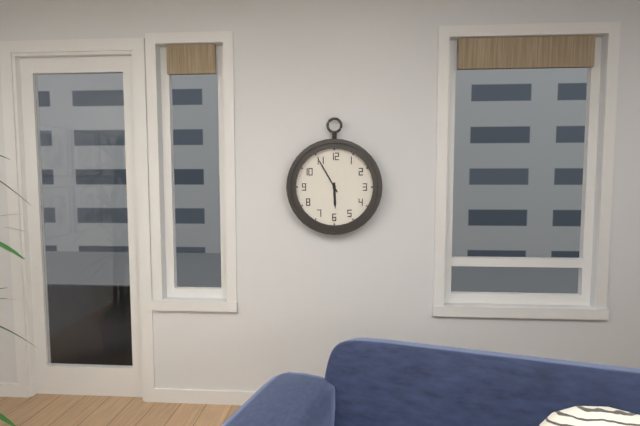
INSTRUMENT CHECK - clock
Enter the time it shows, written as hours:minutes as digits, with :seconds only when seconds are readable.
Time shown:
5:55
